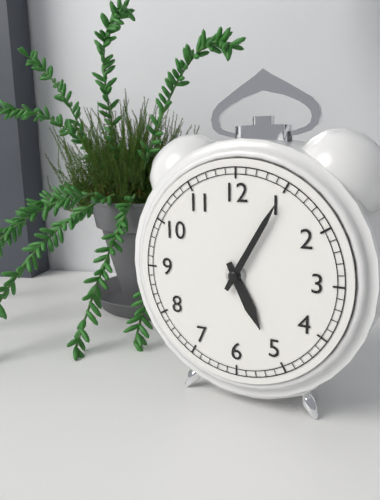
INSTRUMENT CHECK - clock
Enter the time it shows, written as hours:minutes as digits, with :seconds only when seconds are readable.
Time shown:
5:05
